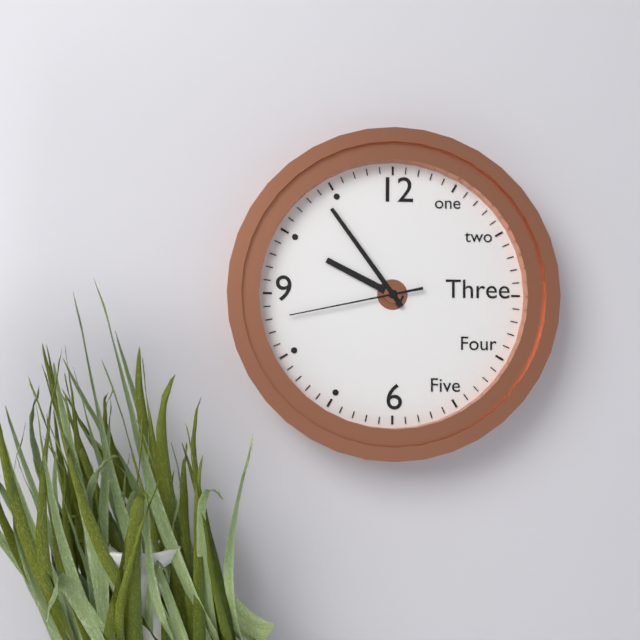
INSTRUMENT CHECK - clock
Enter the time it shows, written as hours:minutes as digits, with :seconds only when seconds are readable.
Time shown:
9:54:43
